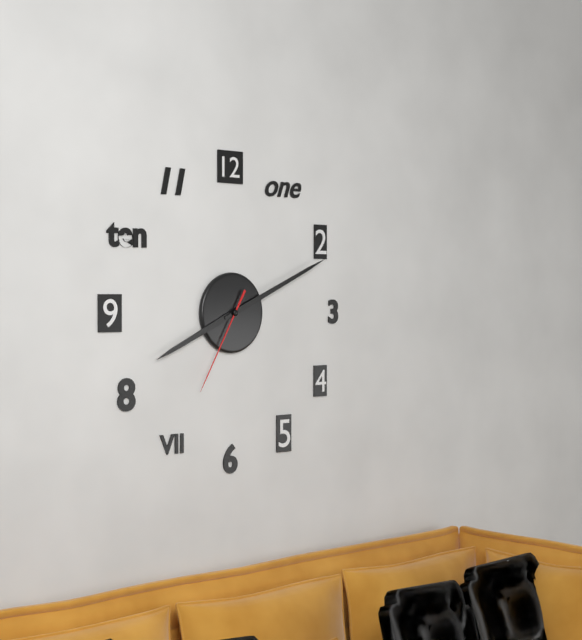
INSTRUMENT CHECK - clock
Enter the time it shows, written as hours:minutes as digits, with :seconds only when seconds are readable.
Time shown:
8:11:35
